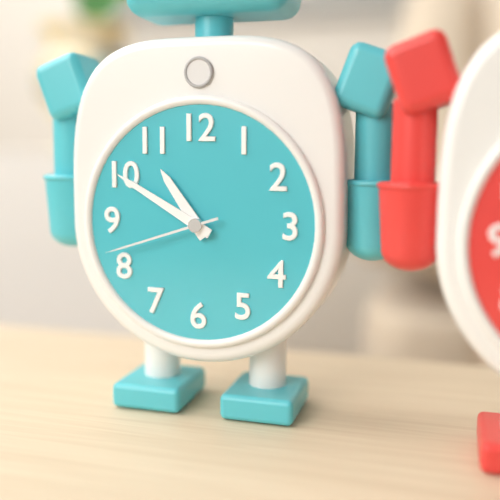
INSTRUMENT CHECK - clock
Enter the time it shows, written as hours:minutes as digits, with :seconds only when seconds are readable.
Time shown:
10:50:42
